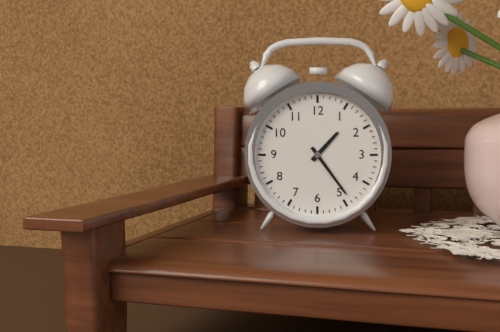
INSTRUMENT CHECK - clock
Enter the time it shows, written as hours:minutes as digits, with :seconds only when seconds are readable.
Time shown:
1:24
